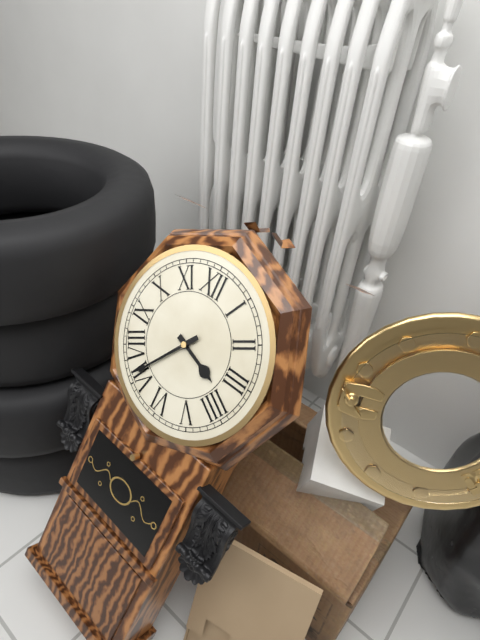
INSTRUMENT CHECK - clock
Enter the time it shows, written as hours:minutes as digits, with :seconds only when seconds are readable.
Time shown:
3:36
